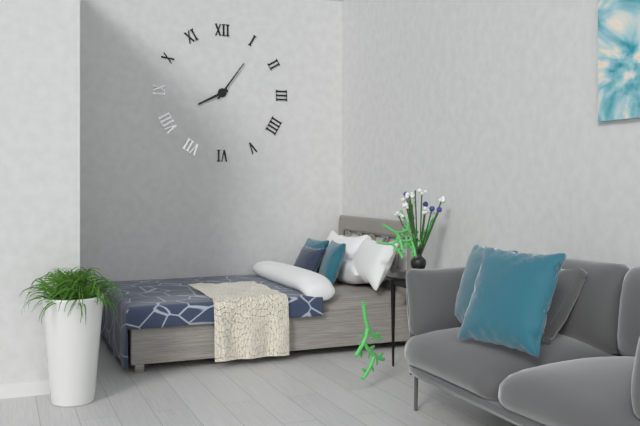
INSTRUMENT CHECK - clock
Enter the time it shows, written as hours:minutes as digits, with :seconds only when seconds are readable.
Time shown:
8:06
